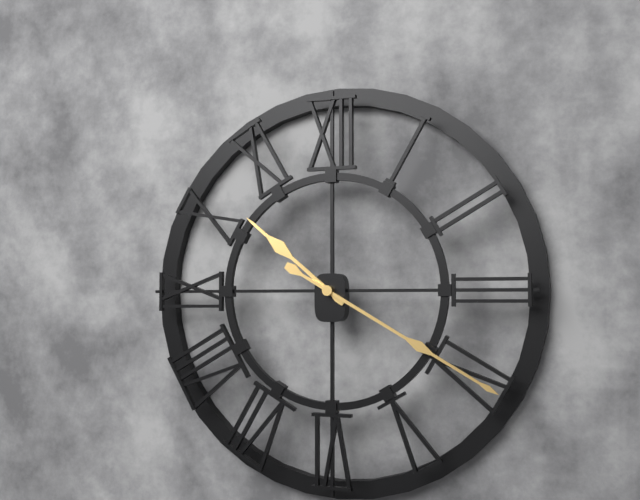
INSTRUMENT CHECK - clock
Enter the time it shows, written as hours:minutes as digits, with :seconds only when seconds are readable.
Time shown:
10:20
